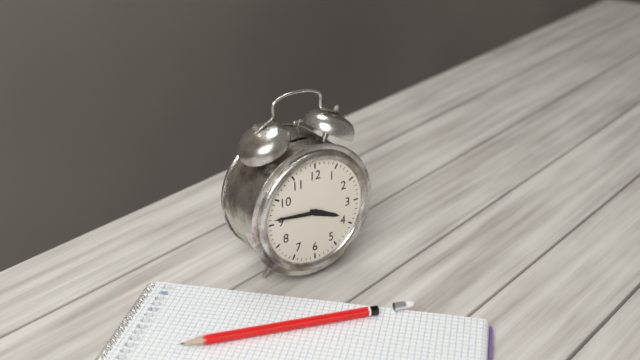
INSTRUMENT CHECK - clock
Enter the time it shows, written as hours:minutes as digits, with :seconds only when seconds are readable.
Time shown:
3:46
